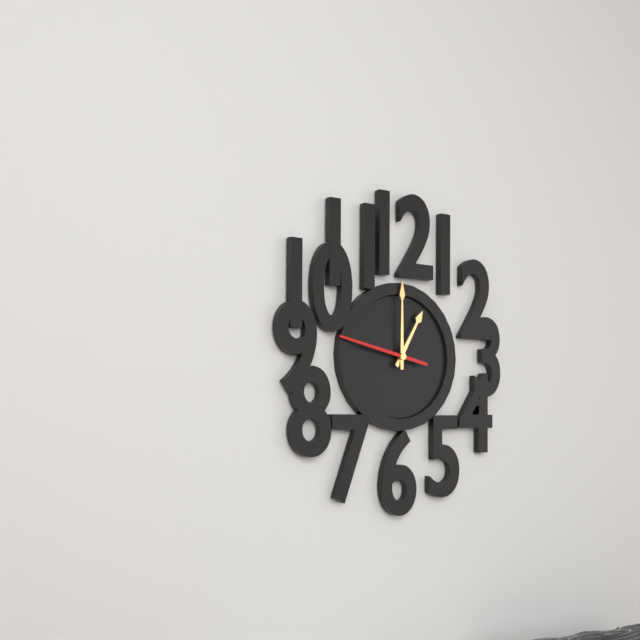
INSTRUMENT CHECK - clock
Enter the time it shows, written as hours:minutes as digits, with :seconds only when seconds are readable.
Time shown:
1:00:47
